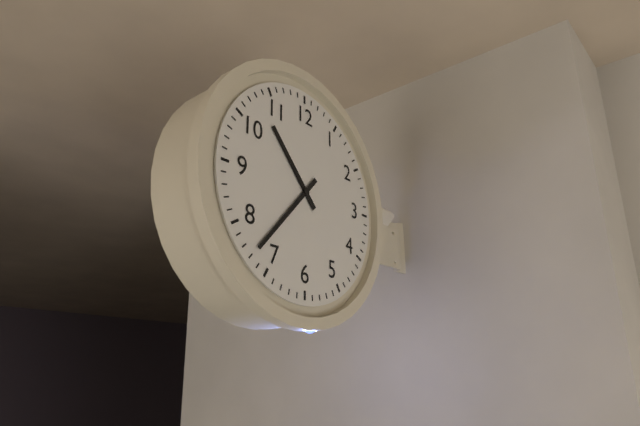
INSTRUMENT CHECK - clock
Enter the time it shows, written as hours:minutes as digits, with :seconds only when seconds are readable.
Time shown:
10:37
